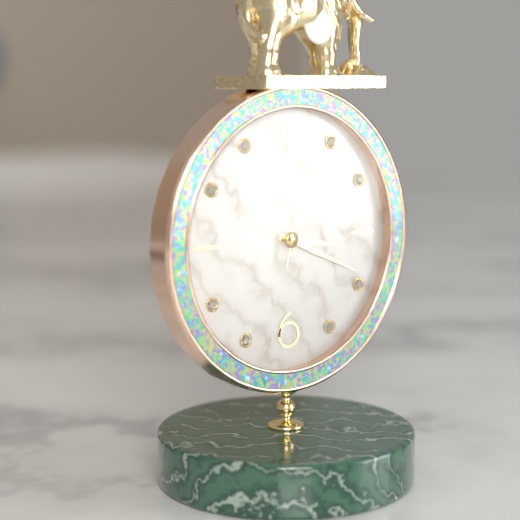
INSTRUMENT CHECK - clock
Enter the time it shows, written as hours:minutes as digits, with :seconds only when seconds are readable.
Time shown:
3:19:02
